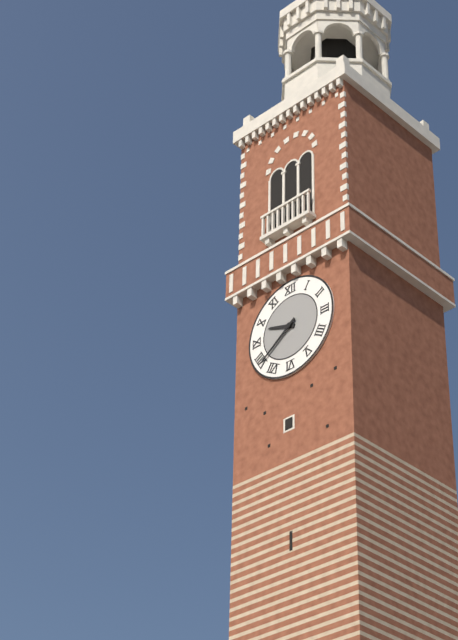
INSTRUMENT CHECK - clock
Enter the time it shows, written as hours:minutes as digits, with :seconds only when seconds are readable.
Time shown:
9:39
